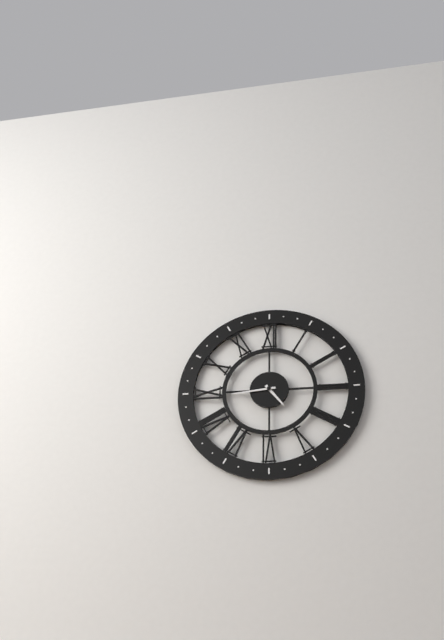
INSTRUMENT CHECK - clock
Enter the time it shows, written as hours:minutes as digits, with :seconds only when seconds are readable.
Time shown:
4:44
